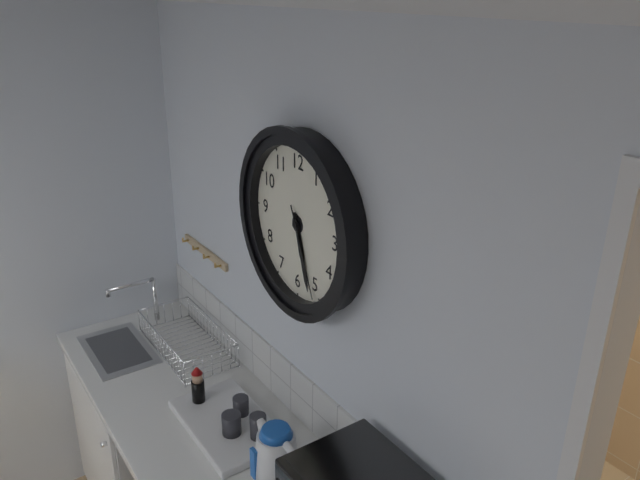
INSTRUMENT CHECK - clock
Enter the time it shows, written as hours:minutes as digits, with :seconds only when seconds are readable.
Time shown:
5:27:26
